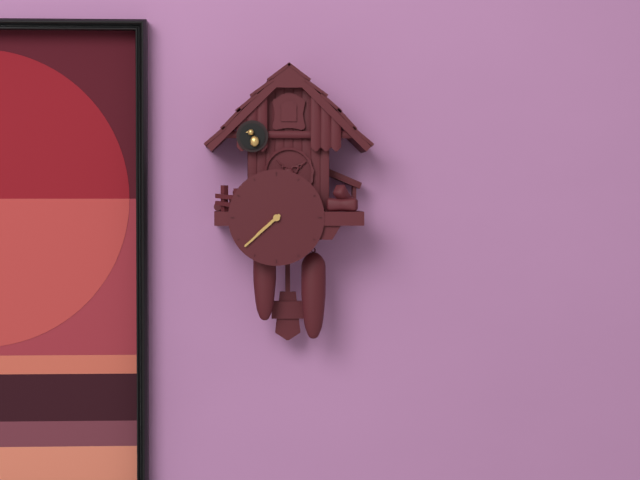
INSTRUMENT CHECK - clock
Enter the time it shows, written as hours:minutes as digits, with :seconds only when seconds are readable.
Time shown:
7:38
